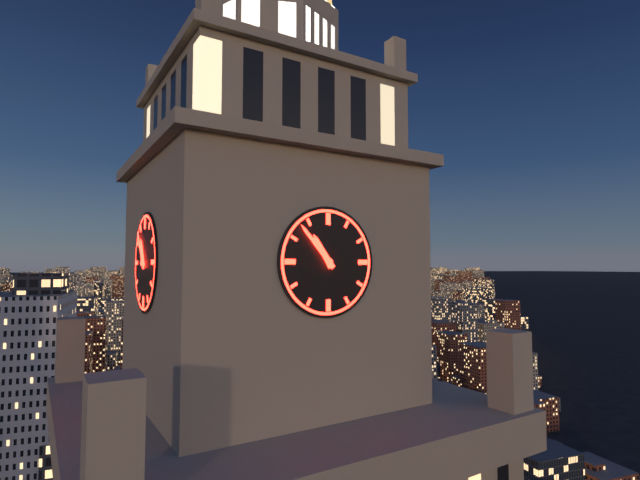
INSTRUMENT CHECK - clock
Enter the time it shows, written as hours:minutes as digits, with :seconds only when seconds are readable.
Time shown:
10:53
